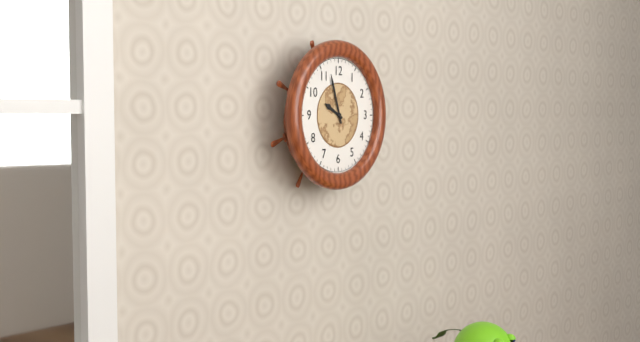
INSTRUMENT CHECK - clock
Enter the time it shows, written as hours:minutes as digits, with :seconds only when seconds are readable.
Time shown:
9:57
